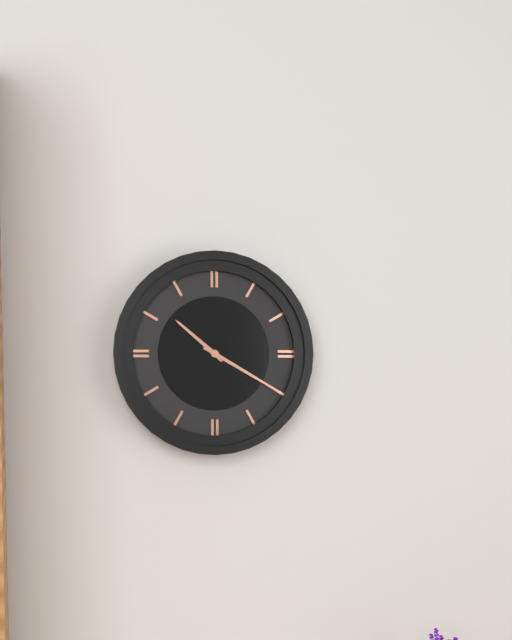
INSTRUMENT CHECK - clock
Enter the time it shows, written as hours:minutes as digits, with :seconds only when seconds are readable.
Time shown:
10:20
